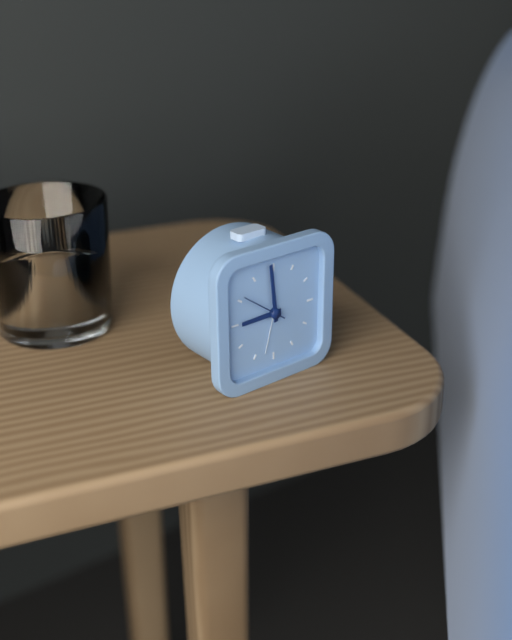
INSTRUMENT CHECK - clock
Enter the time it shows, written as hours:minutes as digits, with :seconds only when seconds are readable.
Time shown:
8:59
